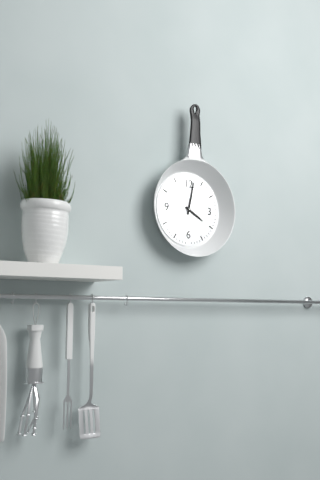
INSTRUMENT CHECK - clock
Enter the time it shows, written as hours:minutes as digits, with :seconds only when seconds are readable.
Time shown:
4:02
